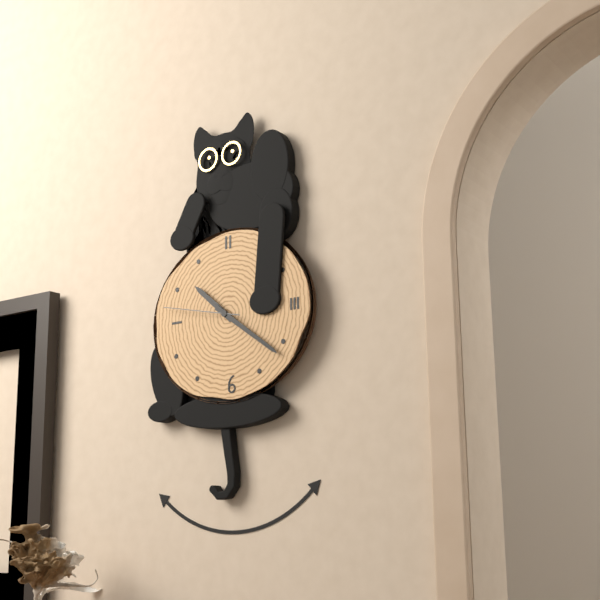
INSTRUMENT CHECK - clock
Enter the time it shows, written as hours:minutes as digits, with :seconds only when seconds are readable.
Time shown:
10:21:47
